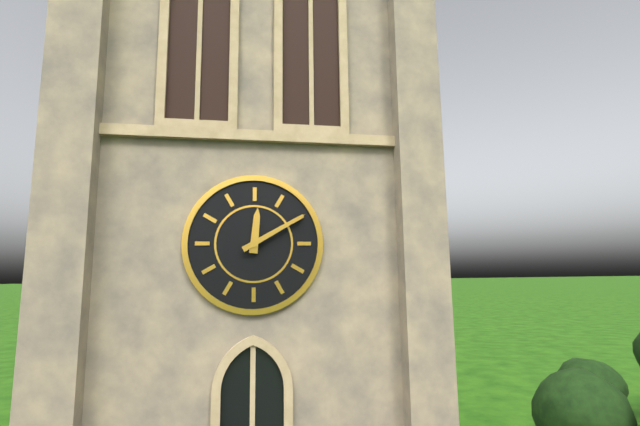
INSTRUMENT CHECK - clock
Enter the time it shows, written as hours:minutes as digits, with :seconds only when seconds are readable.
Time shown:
12:10
